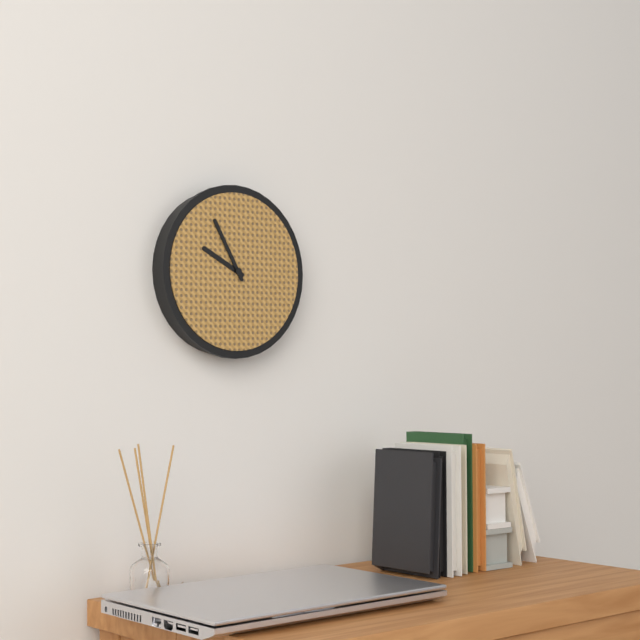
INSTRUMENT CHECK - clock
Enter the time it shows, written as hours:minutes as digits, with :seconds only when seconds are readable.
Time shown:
9:55
